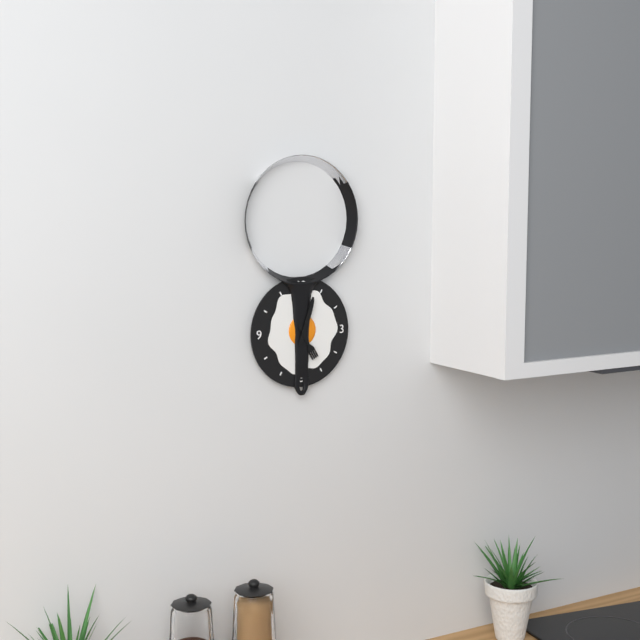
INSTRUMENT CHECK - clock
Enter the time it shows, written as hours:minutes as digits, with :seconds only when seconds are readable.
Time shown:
5:03
